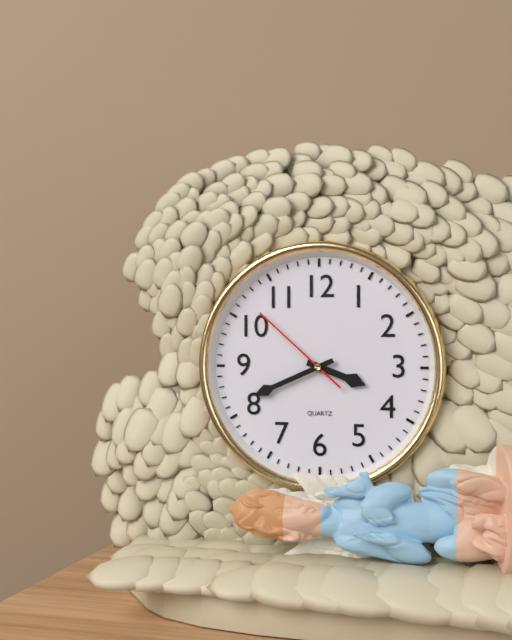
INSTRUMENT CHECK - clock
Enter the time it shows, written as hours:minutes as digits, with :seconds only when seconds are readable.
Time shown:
3:41:52
